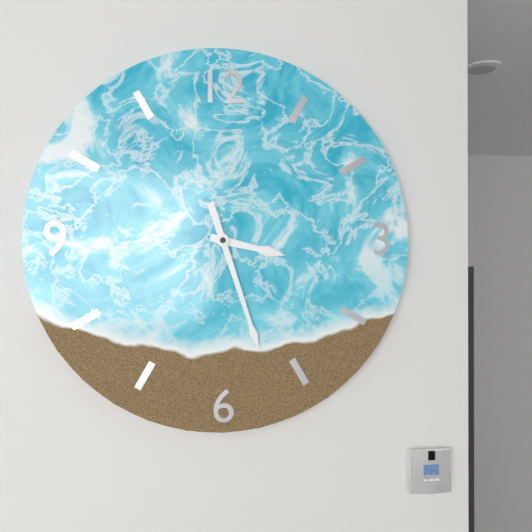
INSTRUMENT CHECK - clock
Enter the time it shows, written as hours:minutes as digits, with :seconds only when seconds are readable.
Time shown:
3:27
